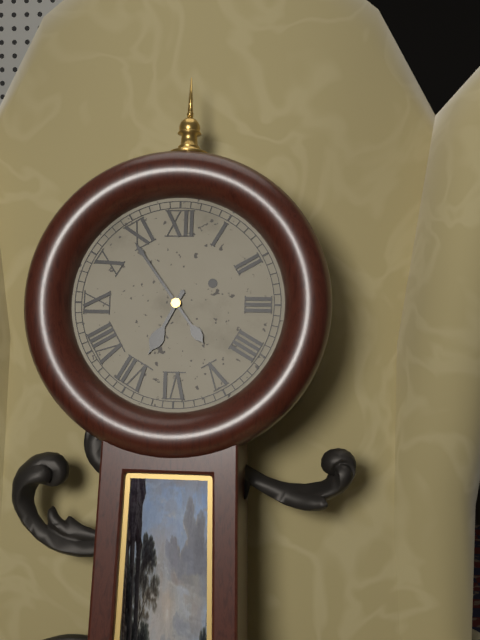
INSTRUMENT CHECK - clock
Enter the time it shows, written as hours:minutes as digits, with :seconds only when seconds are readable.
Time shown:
6:54
